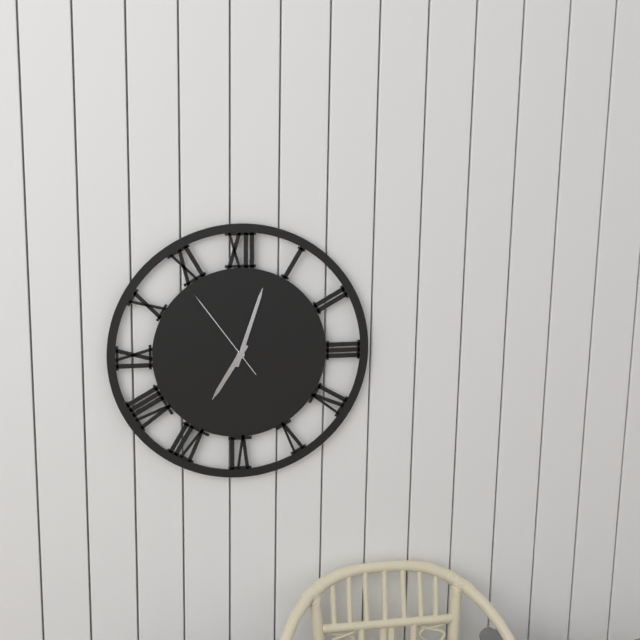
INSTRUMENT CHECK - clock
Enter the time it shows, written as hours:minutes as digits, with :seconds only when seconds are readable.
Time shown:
7:03:54
